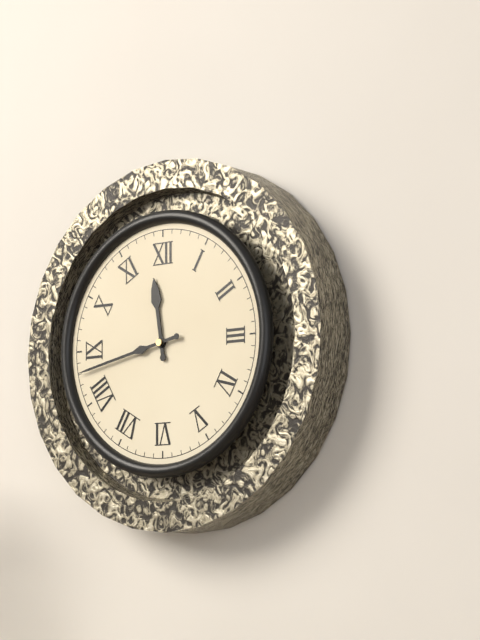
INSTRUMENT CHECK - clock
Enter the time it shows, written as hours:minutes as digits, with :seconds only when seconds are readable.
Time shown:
11:43
